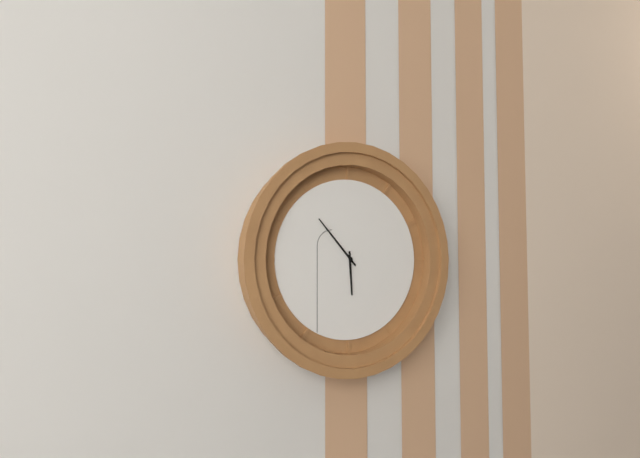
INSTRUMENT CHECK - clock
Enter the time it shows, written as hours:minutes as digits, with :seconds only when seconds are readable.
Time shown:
5:53
